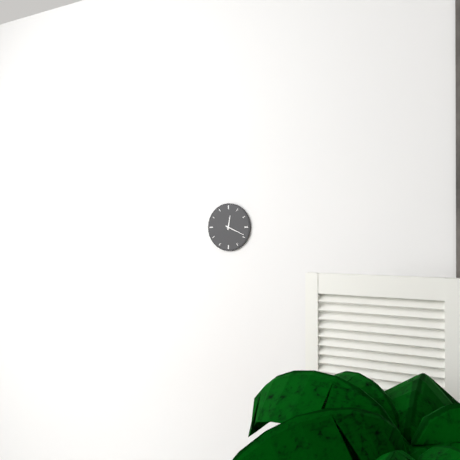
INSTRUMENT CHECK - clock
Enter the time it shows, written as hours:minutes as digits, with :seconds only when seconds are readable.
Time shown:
12:19
